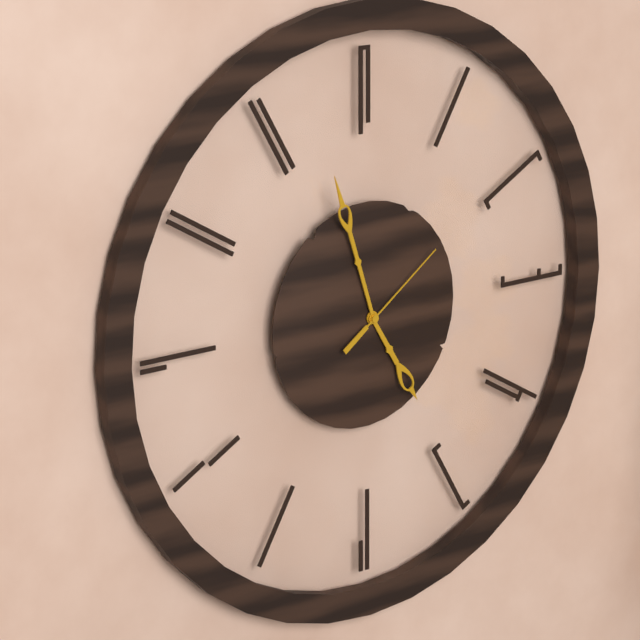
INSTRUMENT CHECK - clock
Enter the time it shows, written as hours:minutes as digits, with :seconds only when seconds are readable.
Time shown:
4:57:09
